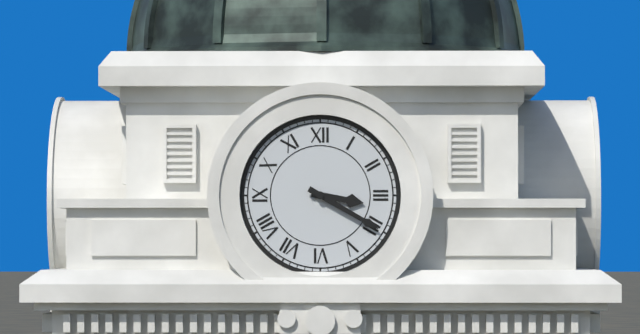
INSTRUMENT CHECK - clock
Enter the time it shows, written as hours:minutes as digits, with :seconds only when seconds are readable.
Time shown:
3:20
